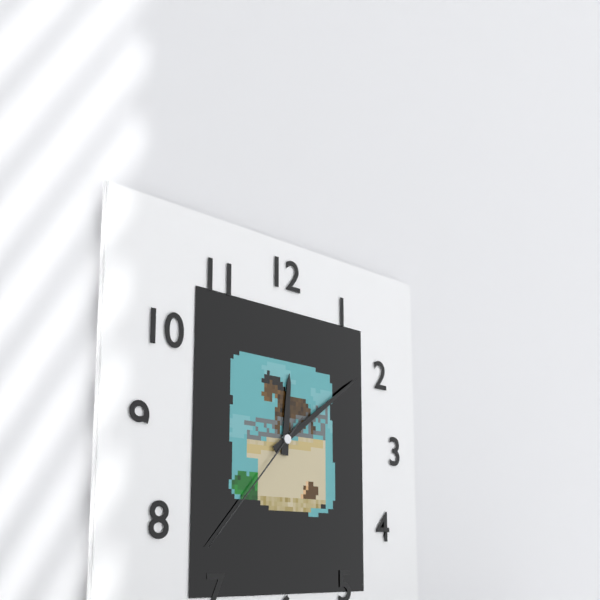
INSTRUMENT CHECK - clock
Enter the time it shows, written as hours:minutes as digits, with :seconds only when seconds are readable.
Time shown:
12:09:37
